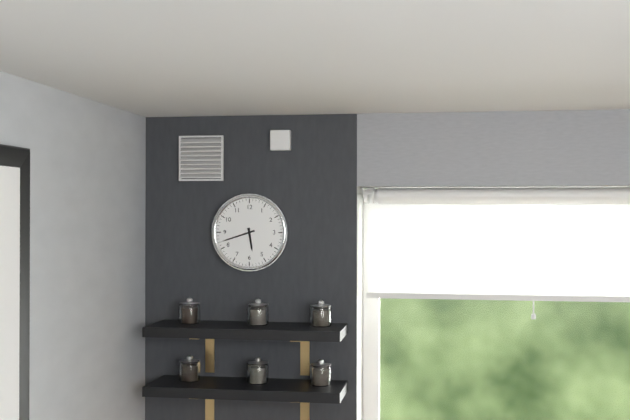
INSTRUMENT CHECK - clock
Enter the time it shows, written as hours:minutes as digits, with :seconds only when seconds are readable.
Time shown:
5:42
